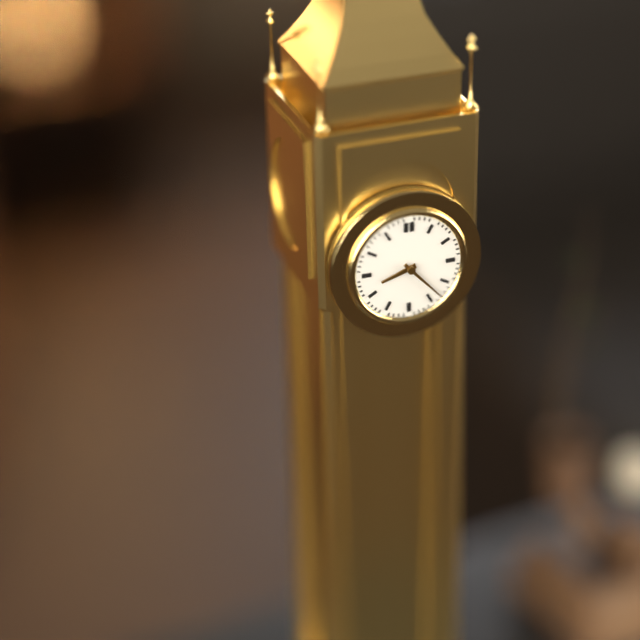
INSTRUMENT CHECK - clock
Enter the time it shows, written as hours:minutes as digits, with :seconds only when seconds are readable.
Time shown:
8:23
